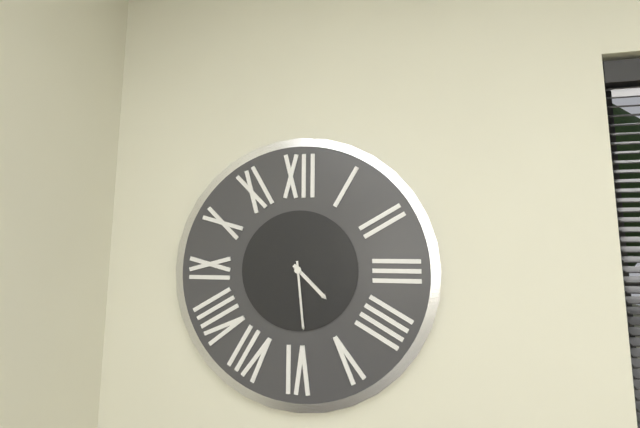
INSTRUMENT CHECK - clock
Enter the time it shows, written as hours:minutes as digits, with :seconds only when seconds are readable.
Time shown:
4:29
